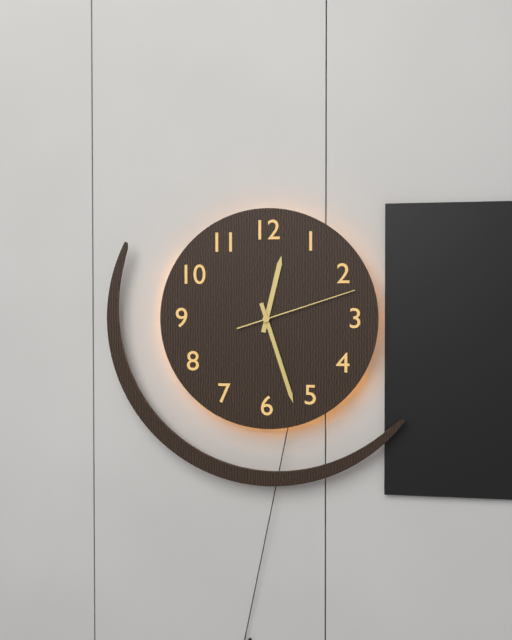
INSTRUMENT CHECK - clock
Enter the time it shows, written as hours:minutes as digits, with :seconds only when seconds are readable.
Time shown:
12:27:12
